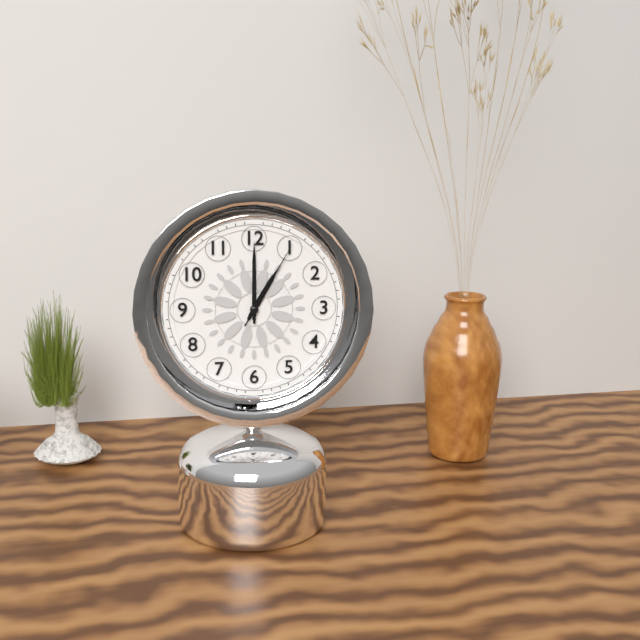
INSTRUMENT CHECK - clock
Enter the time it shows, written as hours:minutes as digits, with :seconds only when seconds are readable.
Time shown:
1:00:05
